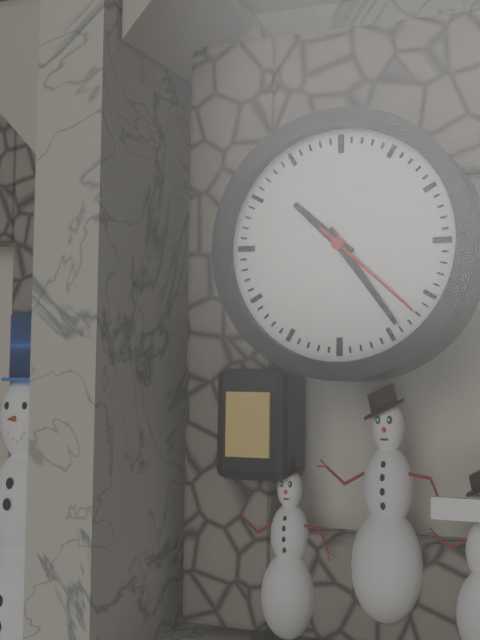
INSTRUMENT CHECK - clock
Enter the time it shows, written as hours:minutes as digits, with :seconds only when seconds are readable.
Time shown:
10:24:22
